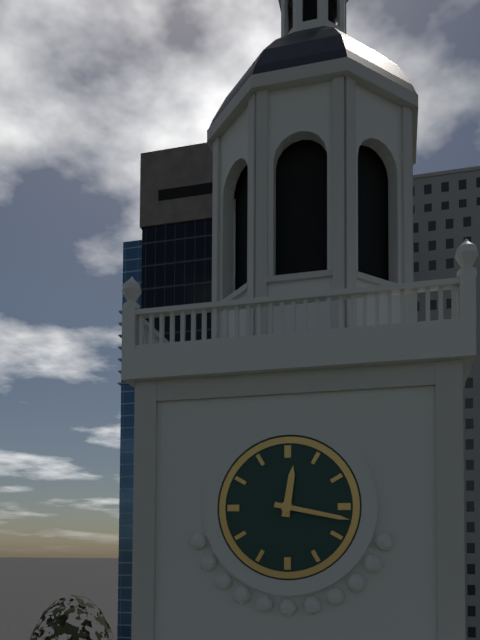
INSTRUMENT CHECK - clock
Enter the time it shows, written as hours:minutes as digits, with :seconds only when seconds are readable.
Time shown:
12:17
